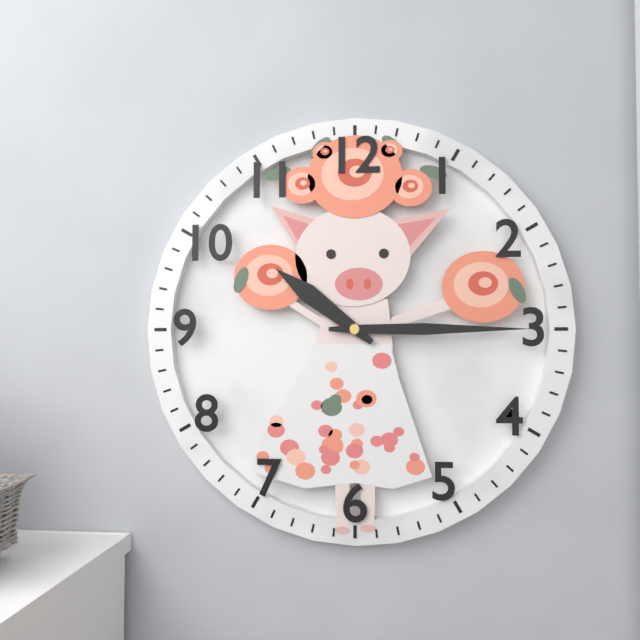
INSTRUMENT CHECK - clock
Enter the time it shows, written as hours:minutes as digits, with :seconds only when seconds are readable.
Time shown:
10:15
